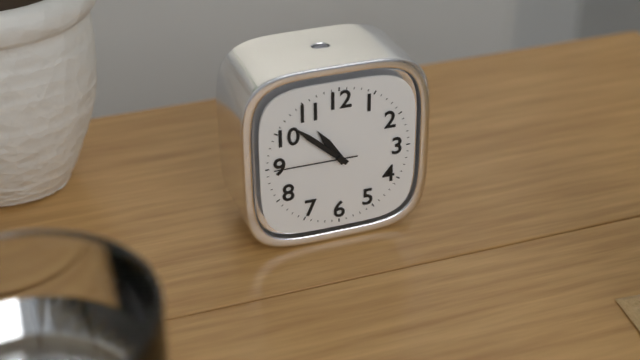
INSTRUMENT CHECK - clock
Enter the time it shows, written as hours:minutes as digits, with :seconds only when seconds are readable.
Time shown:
10:52:45
